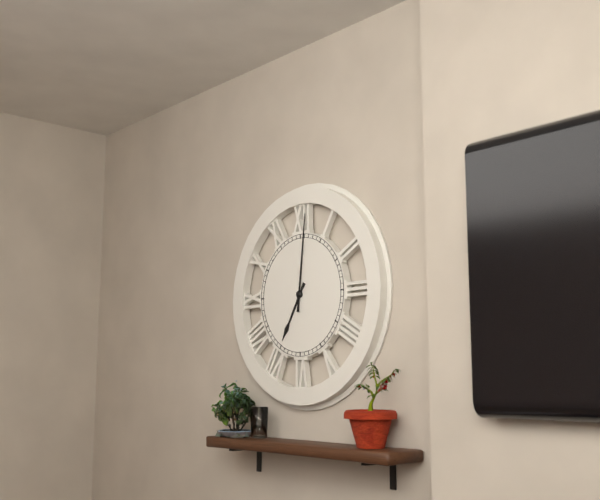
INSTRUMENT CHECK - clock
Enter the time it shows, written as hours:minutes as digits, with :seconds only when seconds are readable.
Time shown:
7:01
